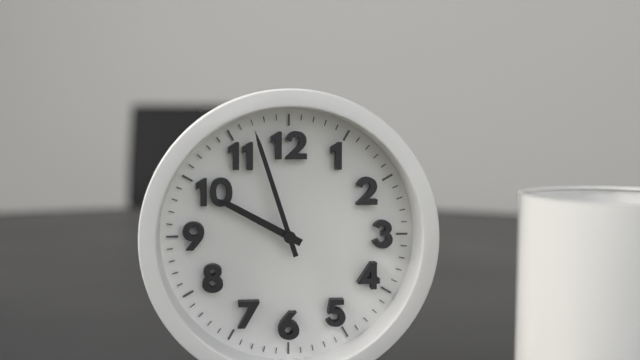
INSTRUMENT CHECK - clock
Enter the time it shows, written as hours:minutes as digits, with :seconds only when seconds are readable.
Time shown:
9:57
